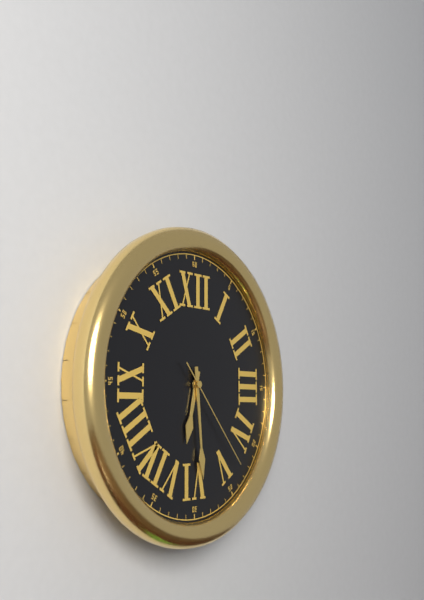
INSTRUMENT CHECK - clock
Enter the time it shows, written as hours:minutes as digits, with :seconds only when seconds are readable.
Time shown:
6:29:23
